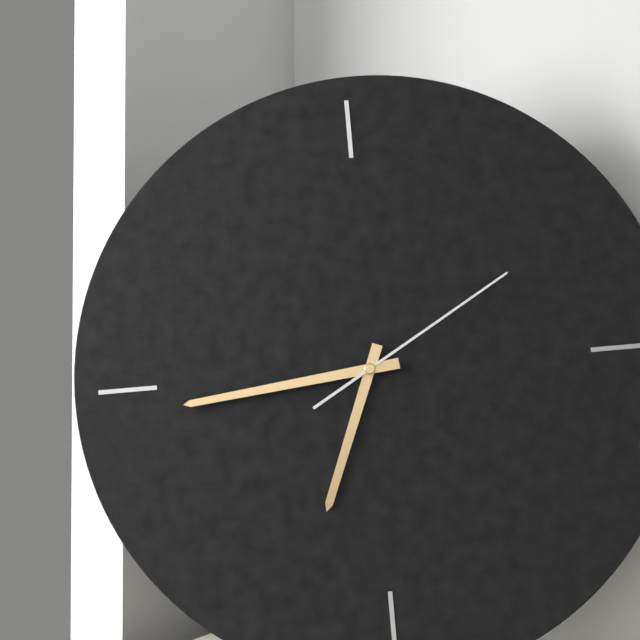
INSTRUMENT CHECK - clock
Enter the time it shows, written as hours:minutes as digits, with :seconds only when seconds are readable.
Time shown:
6:44:10
